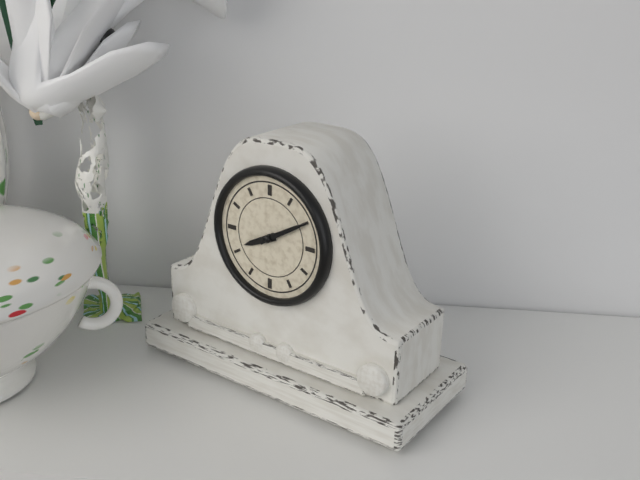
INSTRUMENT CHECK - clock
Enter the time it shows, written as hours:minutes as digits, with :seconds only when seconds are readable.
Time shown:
8:10
